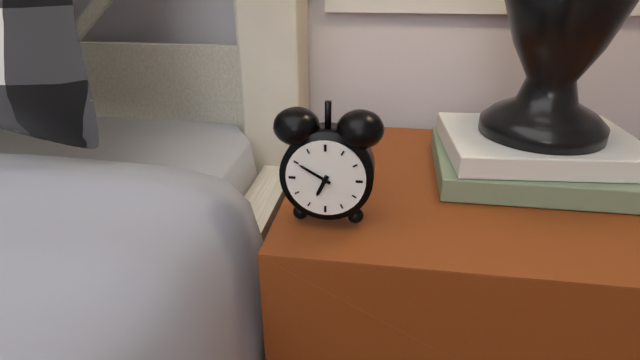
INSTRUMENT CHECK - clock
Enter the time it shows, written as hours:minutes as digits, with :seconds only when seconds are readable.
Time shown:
6:50
